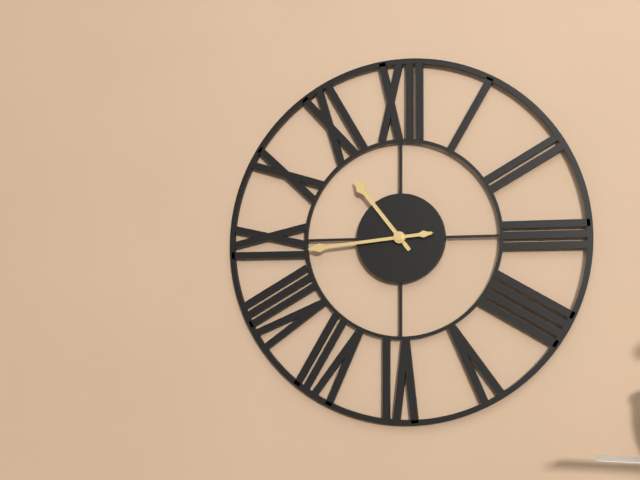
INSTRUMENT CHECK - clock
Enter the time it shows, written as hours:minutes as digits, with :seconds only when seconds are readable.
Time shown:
10:44
